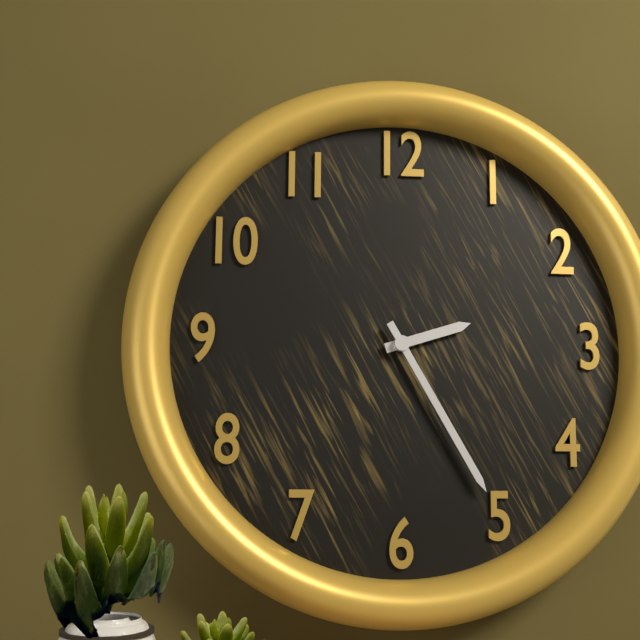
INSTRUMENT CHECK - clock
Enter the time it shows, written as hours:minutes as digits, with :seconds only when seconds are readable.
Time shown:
2:25
